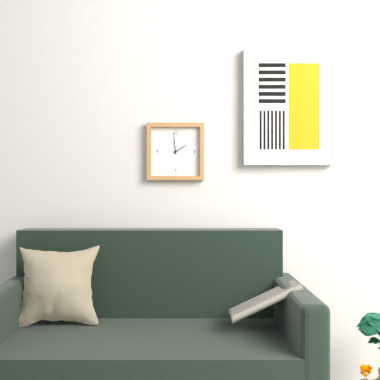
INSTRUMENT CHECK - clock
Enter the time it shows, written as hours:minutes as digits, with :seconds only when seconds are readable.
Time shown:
1:59
